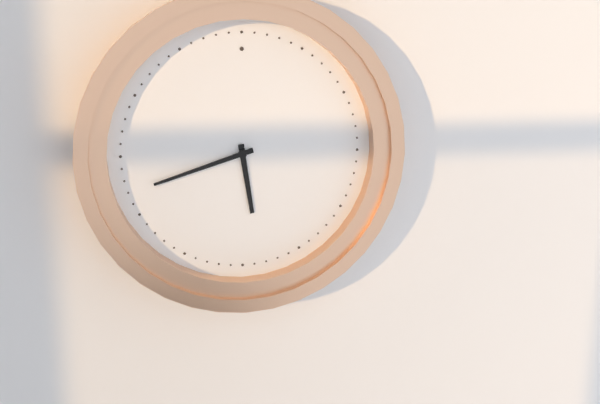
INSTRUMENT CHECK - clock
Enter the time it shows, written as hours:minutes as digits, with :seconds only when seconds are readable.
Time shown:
5:42
